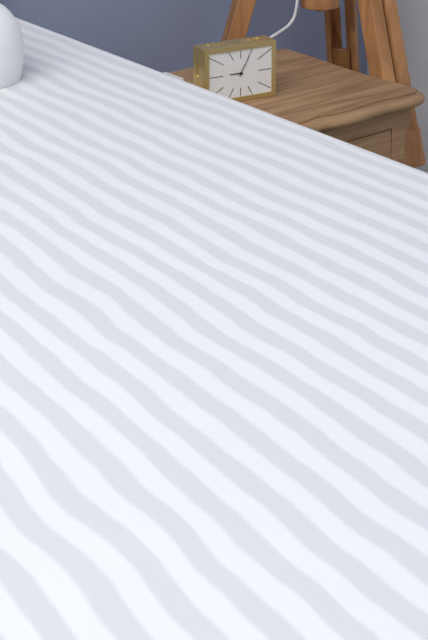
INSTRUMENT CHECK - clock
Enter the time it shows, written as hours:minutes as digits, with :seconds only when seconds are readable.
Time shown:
9:05
